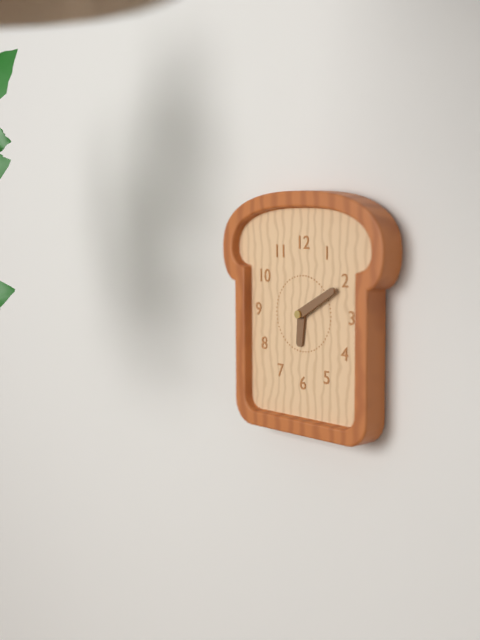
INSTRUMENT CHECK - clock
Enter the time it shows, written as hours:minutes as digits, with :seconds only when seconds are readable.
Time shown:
6:10
